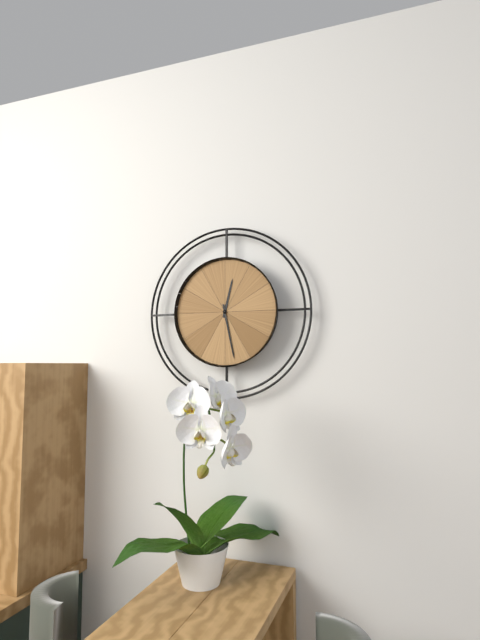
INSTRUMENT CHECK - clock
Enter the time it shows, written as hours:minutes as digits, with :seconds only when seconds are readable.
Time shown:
12:28
